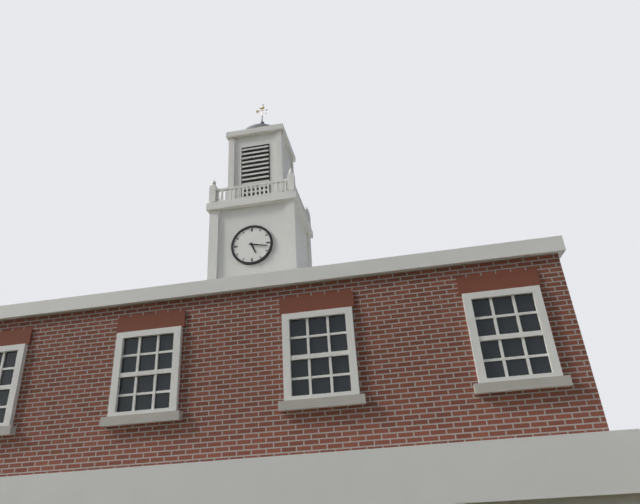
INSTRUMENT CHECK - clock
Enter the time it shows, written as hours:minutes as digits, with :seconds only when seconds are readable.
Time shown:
5:17
